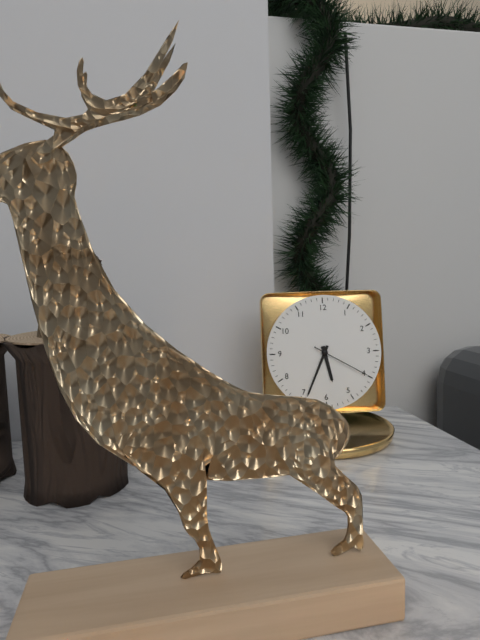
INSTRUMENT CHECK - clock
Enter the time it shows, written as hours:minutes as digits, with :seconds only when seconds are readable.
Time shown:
5:34:20
